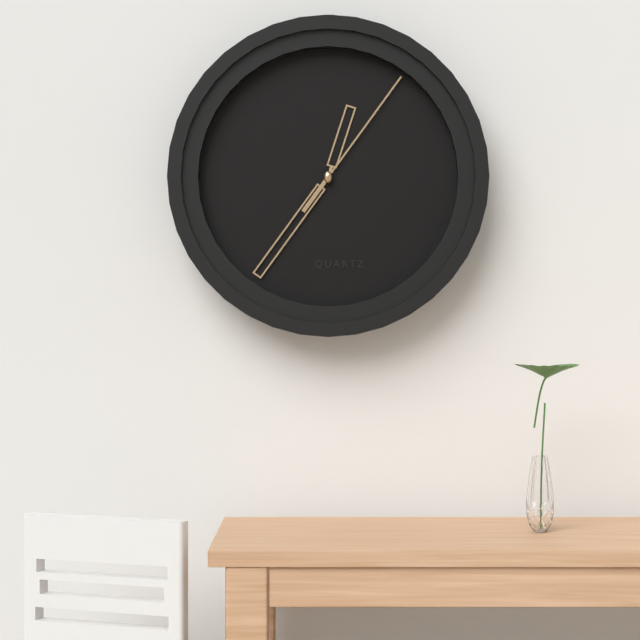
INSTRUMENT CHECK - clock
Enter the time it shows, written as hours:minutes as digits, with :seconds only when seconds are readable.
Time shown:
12:36:06
